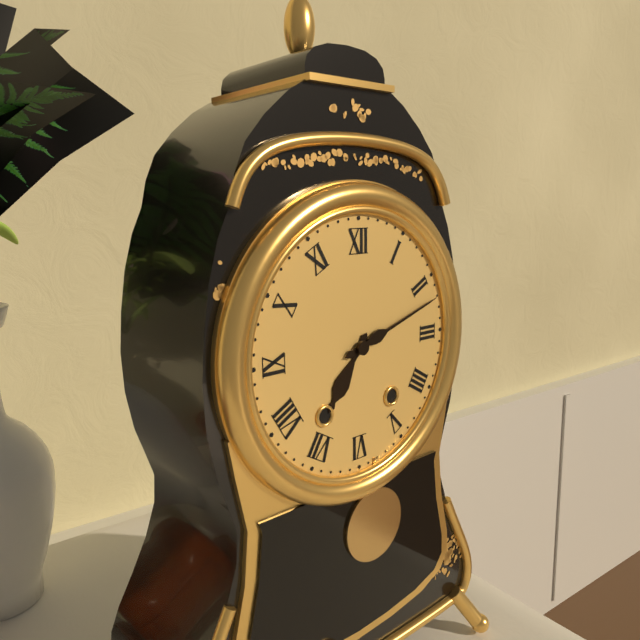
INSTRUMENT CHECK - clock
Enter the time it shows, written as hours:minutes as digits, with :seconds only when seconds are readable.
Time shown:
7:12
